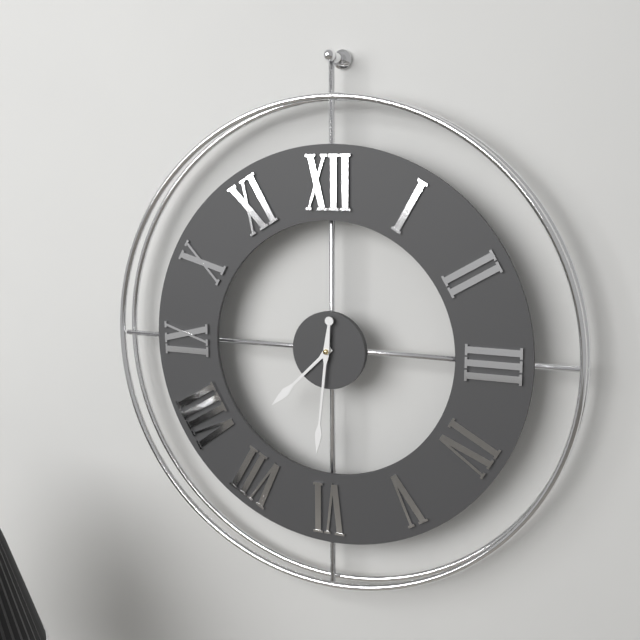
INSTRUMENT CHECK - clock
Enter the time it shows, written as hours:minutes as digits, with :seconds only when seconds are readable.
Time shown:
7:31
